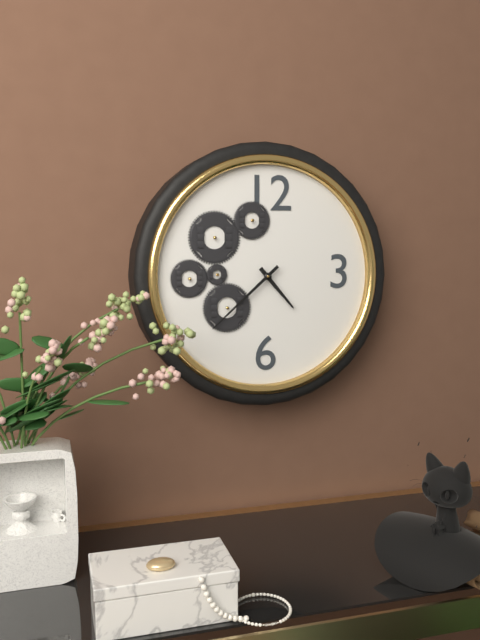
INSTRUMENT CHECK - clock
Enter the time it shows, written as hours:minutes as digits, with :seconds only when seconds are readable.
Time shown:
4:38
